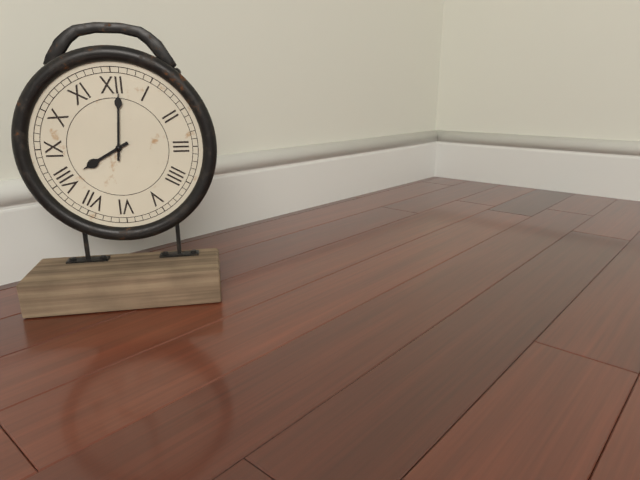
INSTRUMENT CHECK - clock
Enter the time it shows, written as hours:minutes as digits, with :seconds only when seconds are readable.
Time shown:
8:01
